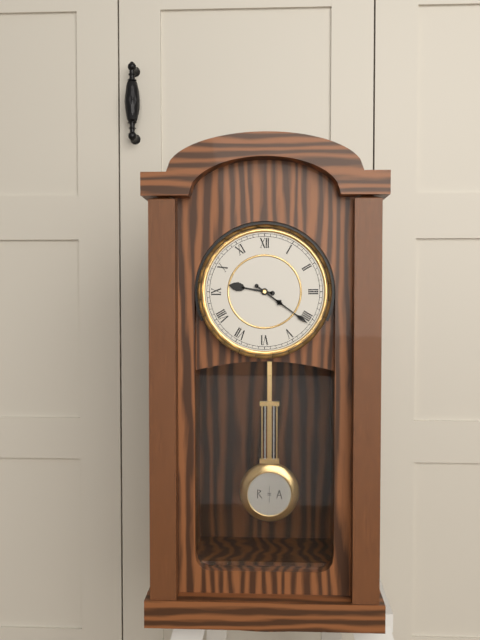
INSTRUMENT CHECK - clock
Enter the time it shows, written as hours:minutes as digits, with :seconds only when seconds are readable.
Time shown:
9:21
